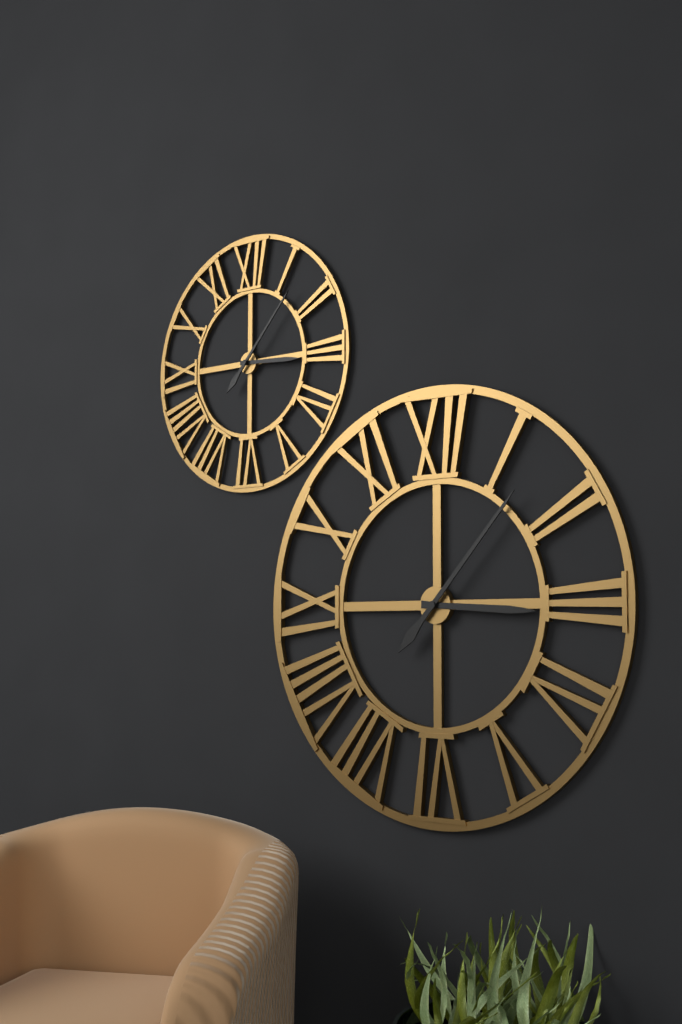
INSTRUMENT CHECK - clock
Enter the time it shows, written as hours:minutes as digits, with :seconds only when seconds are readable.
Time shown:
3:07
